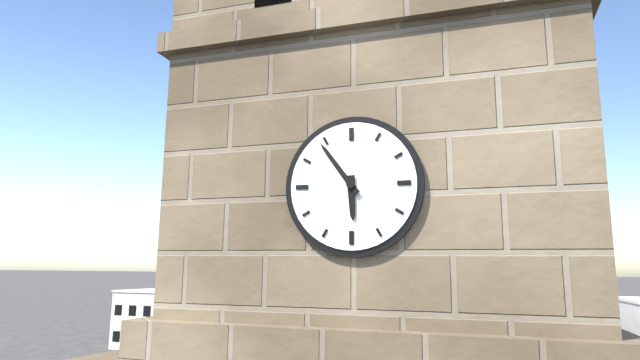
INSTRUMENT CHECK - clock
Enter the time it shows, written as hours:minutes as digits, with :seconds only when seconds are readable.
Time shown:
5:54
